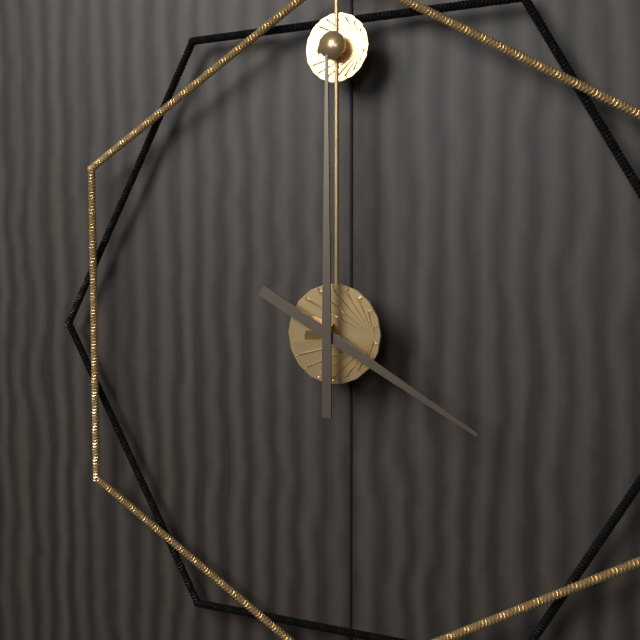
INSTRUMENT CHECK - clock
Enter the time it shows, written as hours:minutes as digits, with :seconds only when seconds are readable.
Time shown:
4:00
